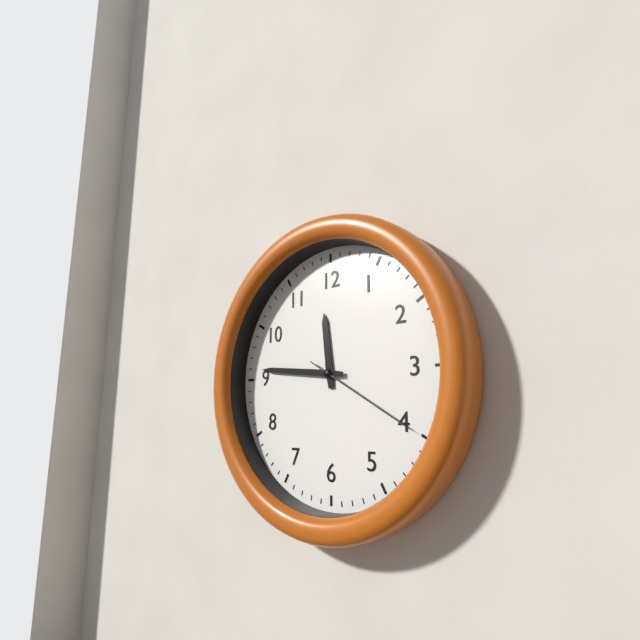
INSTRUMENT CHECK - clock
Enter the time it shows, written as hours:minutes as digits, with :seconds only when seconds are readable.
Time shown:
11:46:20
